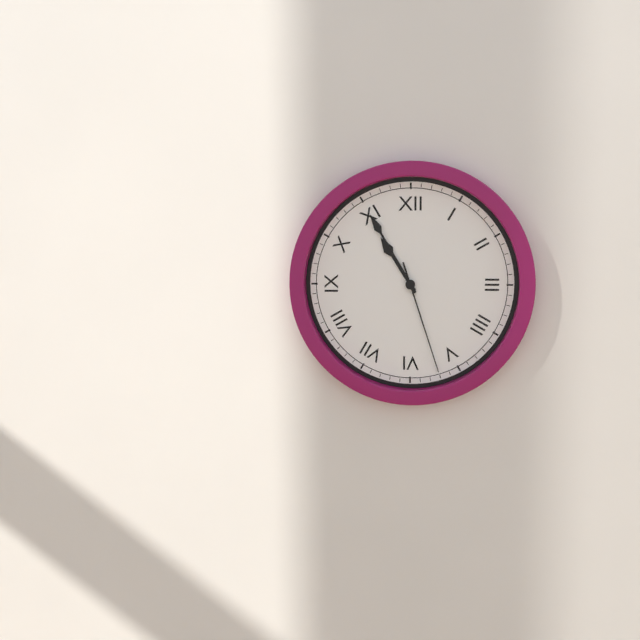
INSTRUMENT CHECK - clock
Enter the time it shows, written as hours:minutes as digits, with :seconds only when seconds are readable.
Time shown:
10:55:27
